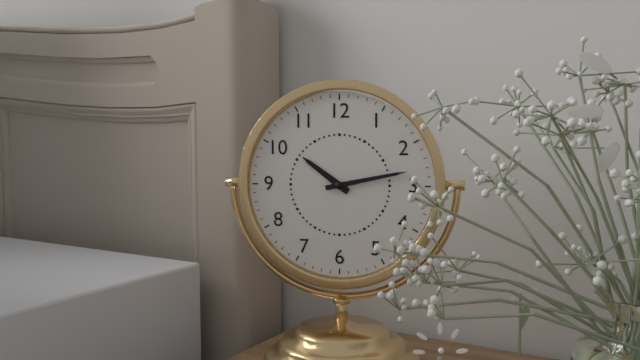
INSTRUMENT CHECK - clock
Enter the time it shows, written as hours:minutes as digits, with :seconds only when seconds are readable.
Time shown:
10:13
